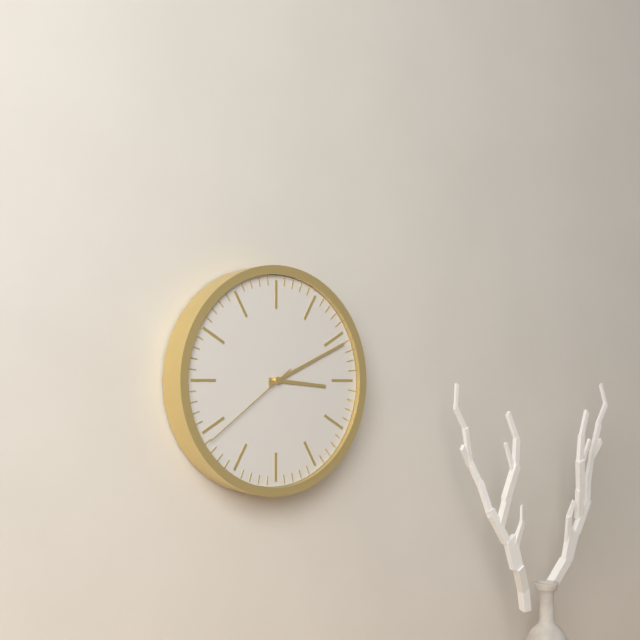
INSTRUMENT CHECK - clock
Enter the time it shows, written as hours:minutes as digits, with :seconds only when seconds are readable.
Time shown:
3:11:39
